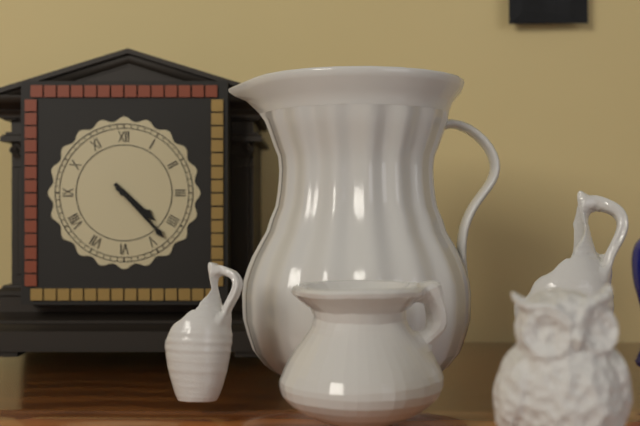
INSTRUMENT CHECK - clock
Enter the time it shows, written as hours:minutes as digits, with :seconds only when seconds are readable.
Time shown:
4:23
